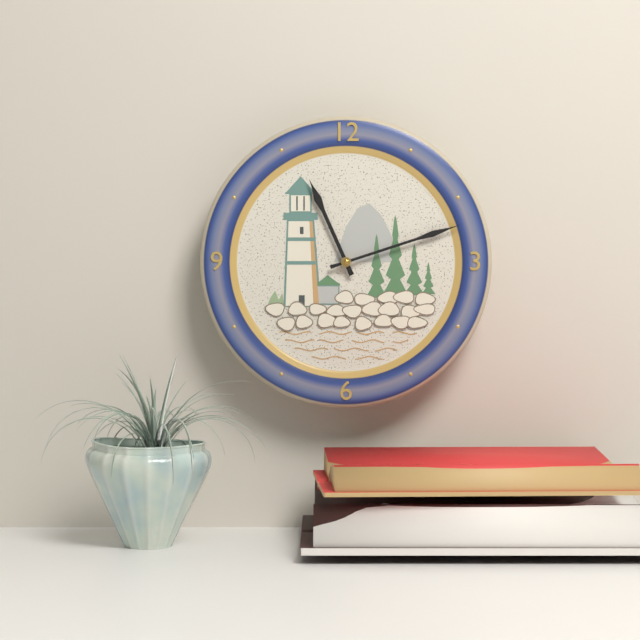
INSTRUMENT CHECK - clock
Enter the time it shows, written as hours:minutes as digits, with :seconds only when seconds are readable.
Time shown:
11:12
